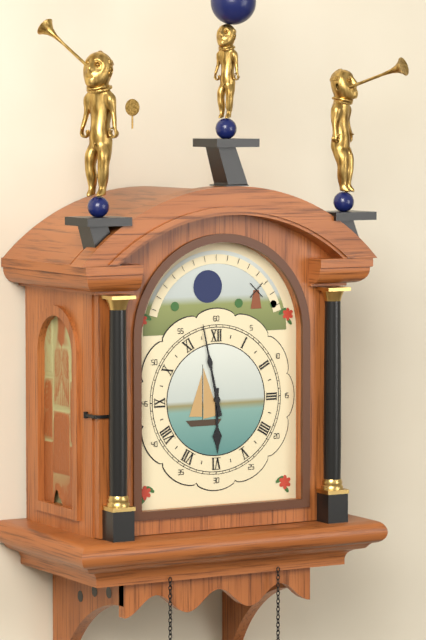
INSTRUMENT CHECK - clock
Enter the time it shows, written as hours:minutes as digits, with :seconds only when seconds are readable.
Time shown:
5:58
